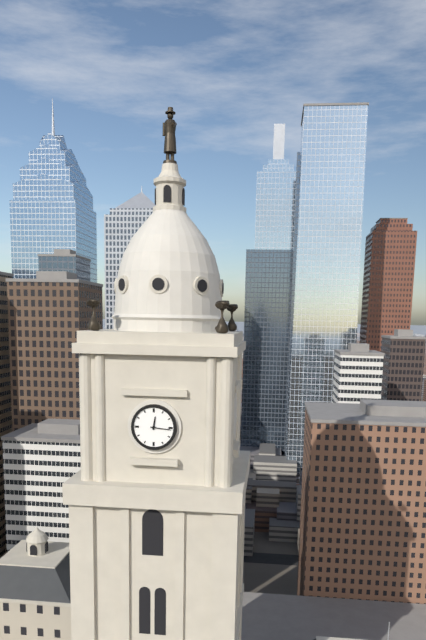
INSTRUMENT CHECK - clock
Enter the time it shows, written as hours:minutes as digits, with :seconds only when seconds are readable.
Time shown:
12:16
